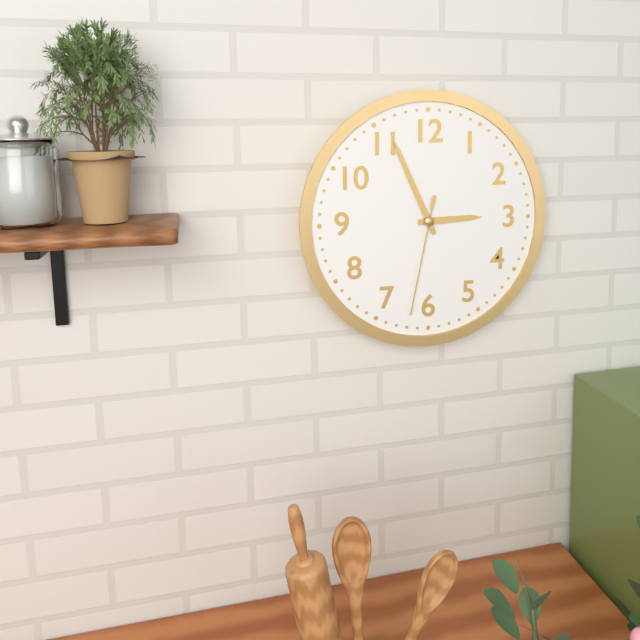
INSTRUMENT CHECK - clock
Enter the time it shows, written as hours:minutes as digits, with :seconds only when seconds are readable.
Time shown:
2:56:32
